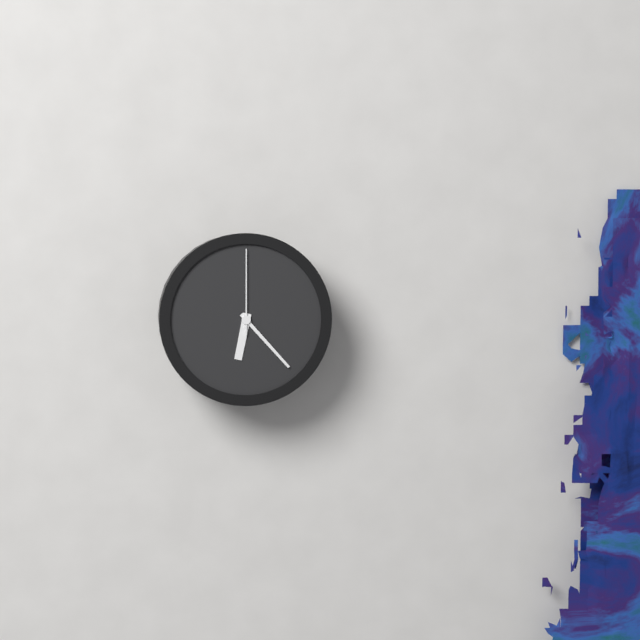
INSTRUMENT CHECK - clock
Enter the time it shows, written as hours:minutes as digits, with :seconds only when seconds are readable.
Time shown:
6:23:00
